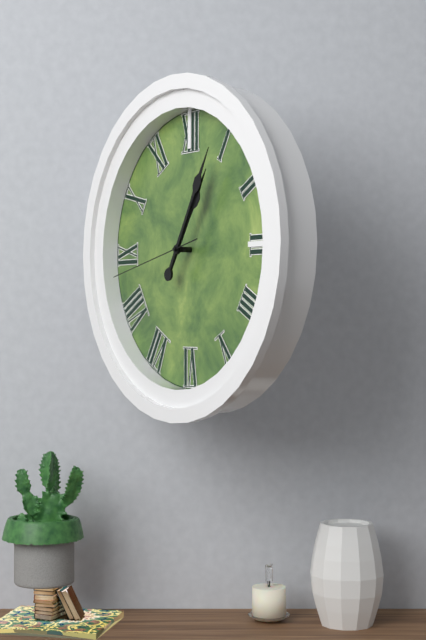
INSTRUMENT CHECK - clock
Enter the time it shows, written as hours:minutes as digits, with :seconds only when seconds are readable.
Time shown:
1:05:43
